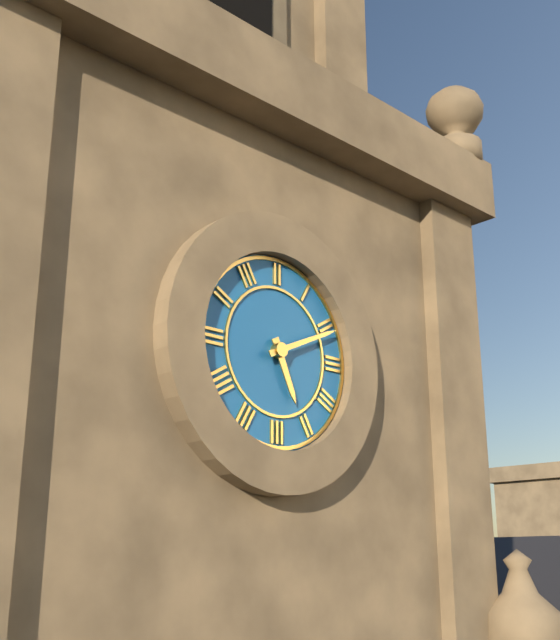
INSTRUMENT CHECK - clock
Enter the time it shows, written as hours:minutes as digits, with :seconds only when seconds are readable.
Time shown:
5:11
